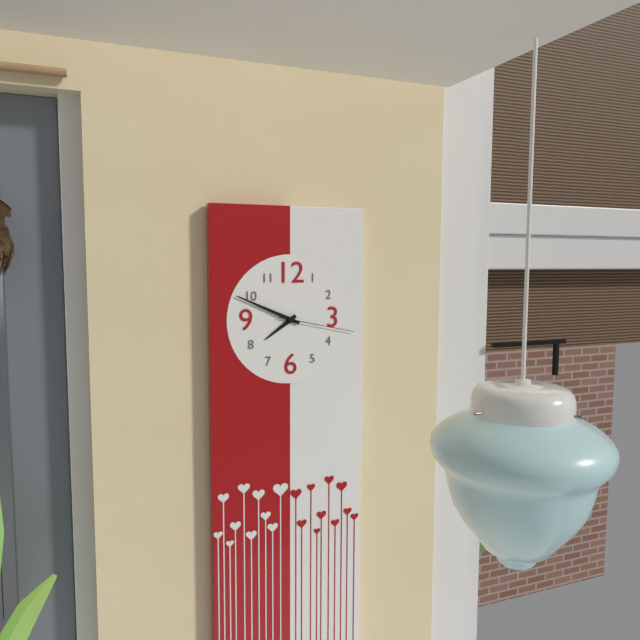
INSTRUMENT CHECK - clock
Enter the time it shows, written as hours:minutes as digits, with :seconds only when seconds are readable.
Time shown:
7:49:17
